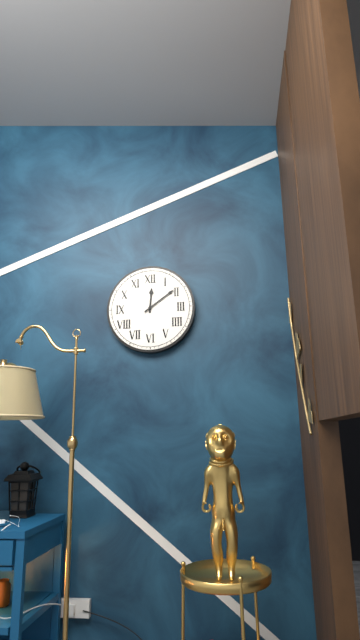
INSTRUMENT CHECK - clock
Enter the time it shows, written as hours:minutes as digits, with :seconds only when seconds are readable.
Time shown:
12:09
